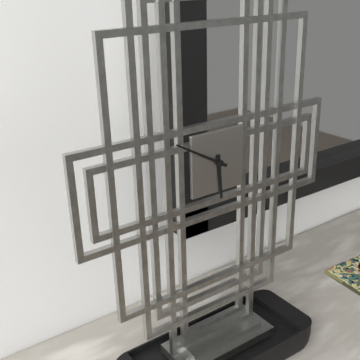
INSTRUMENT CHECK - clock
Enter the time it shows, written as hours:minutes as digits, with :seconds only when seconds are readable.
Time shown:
5:50
